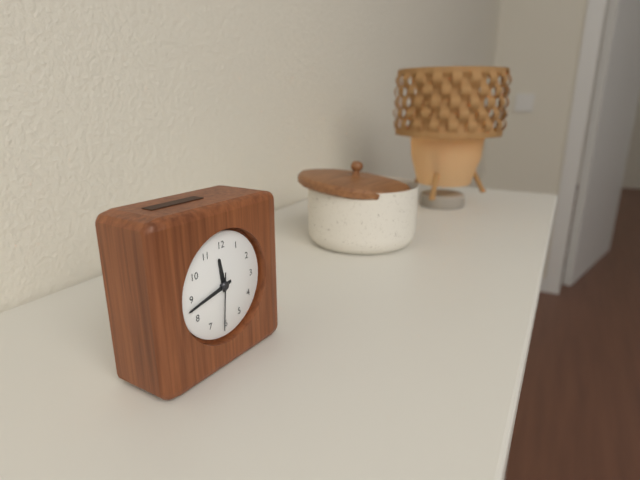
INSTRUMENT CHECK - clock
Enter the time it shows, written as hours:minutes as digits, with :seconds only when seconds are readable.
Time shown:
11:43:31
